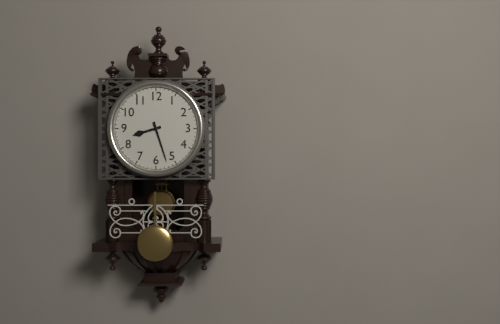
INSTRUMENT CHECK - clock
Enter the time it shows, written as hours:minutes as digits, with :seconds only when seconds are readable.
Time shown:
8:27
